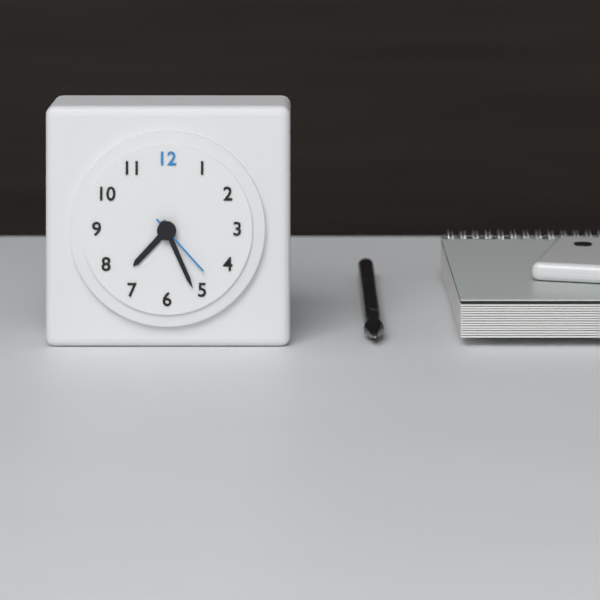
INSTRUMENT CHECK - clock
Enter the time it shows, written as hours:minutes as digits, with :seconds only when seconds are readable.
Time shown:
7:26:23
